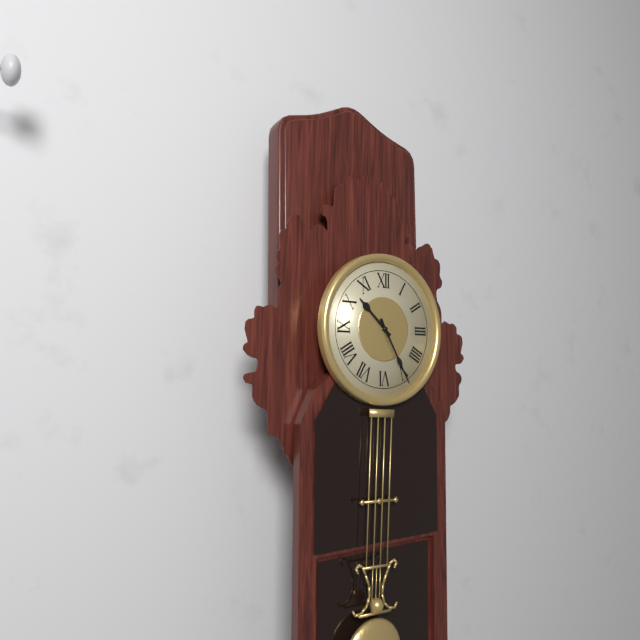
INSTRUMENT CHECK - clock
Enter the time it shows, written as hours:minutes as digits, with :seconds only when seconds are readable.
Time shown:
10:25
